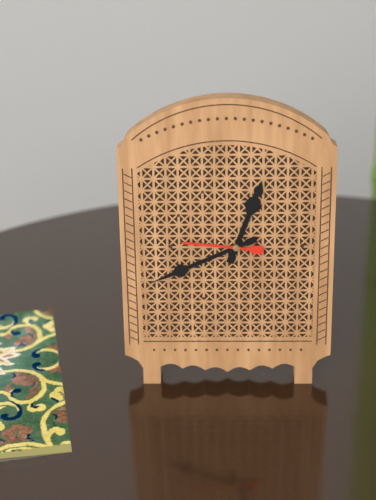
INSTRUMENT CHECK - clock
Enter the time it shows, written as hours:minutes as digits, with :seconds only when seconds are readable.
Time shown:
12:41:46
